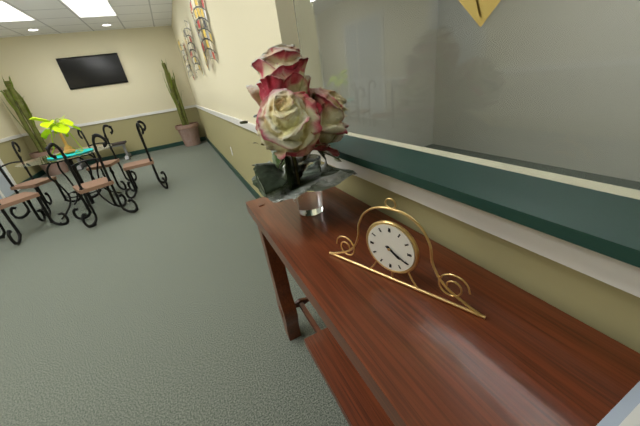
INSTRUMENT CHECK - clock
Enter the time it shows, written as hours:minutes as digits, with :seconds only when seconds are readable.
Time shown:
4:20
